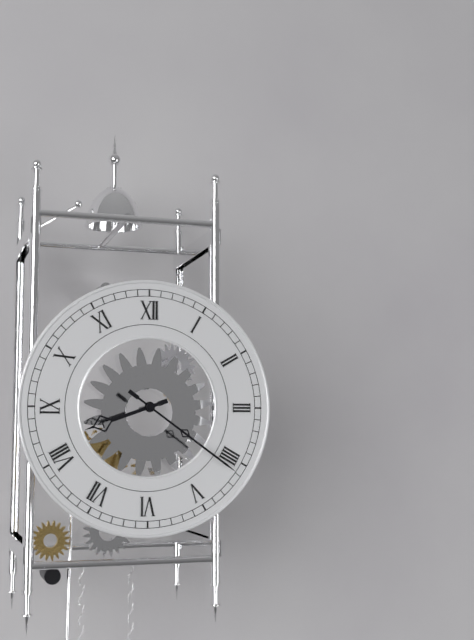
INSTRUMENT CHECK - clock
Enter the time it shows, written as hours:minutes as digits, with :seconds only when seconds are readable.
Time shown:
8:21
